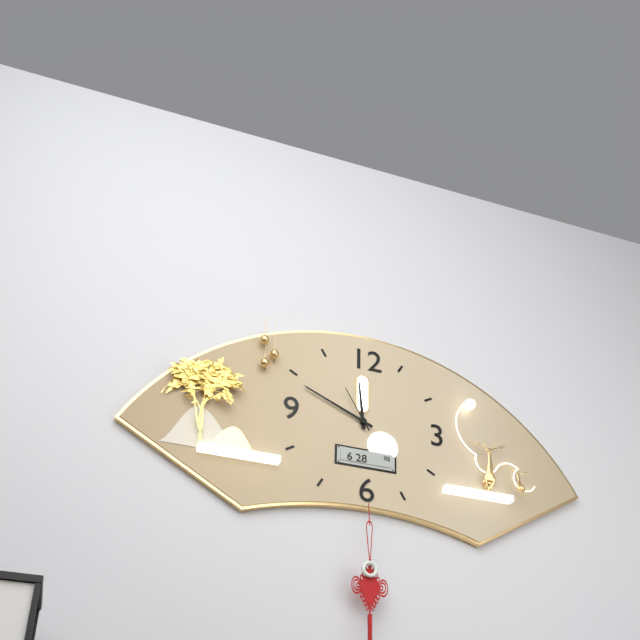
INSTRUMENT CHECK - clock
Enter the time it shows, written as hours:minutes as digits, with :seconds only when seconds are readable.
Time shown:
11:49
